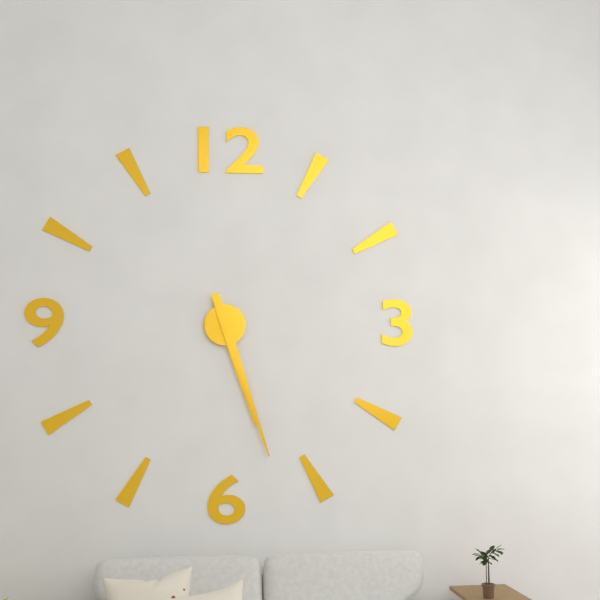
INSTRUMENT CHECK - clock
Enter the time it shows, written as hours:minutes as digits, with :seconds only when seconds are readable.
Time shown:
5:27
